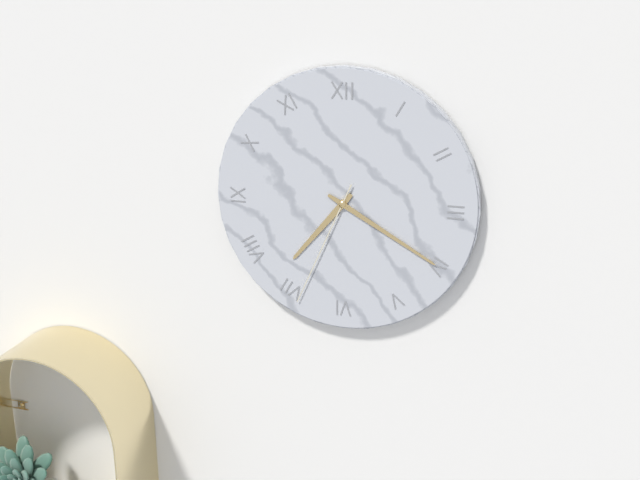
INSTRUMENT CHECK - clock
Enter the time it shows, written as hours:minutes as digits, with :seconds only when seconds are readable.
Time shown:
7:20:34
